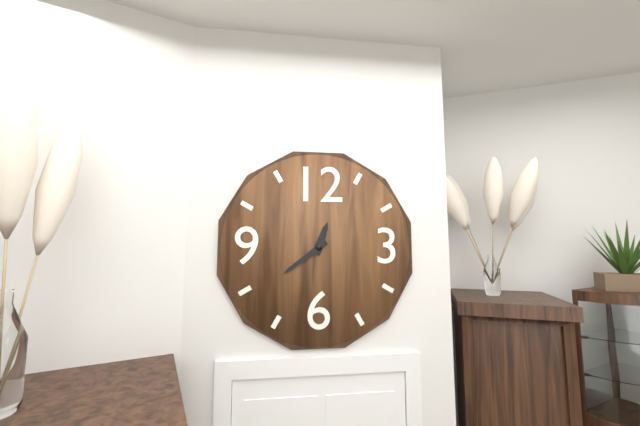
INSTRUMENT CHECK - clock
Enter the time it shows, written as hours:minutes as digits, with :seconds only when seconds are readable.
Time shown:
12:39
